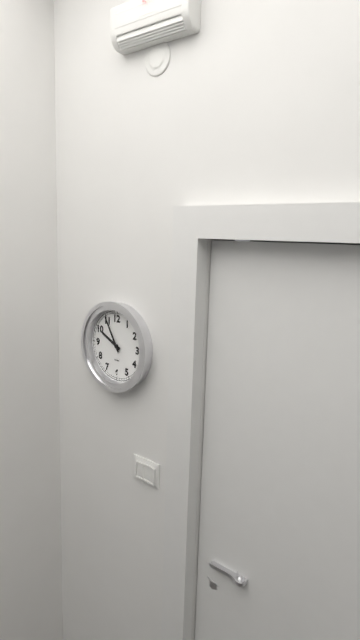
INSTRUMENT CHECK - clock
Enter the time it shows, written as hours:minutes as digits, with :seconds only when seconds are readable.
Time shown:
9:55
